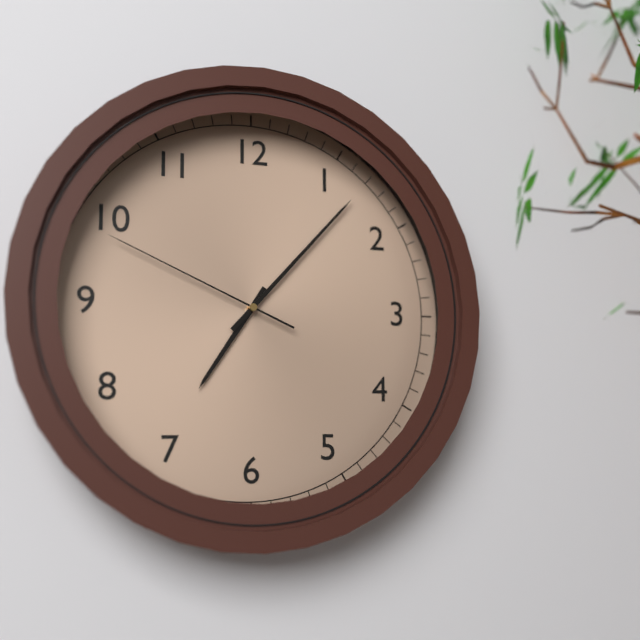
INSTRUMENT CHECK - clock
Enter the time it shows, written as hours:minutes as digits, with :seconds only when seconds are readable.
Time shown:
7:07:49
